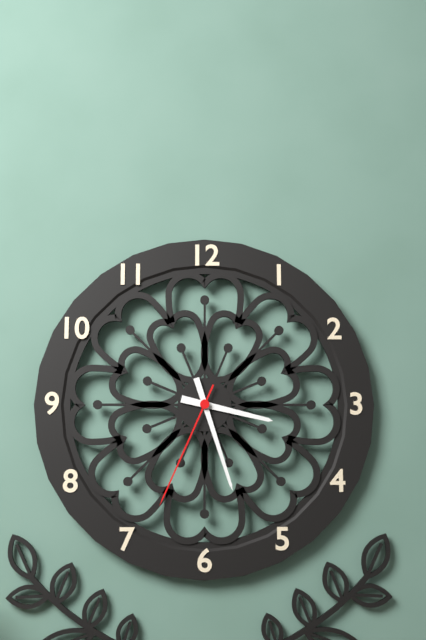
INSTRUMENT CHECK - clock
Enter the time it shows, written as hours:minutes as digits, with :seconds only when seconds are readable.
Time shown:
3:27:34
